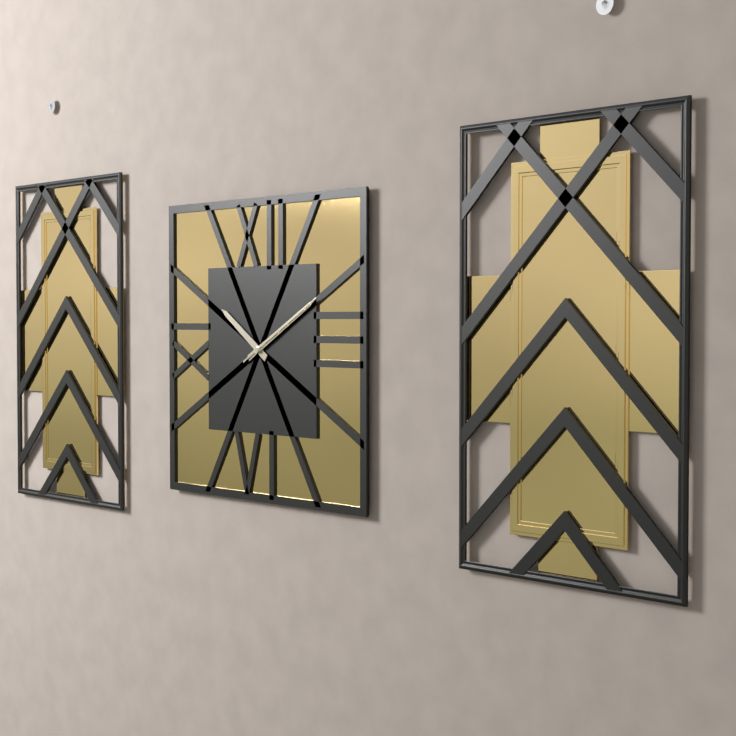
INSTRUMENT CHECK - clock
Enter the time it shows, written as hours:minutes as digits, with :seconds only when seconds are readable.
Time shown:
10:10:10
